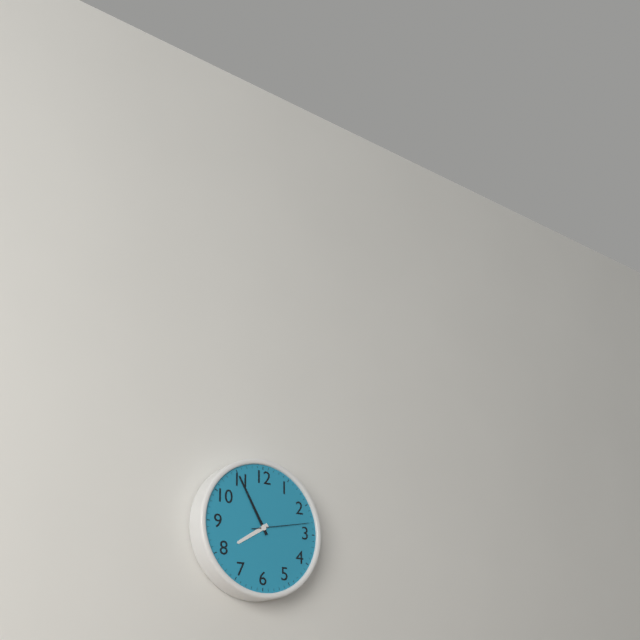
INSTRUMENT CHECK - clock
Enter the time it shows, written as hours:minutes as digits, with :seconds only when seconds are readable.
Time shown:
7:55:13
